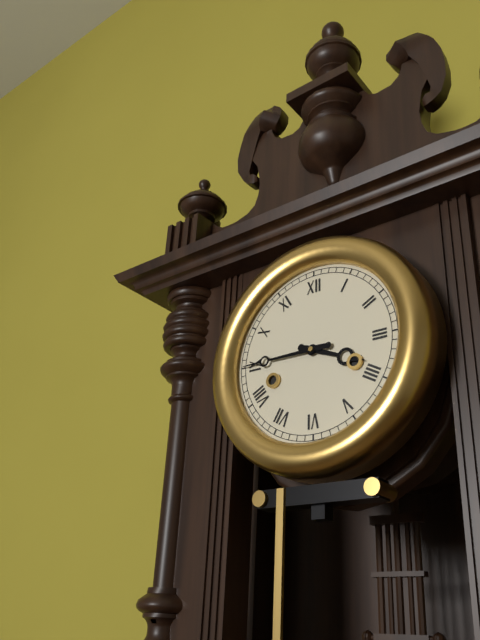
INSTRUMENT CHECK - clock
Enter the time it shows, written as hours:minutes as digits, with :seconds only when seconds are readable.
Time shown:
3:45
